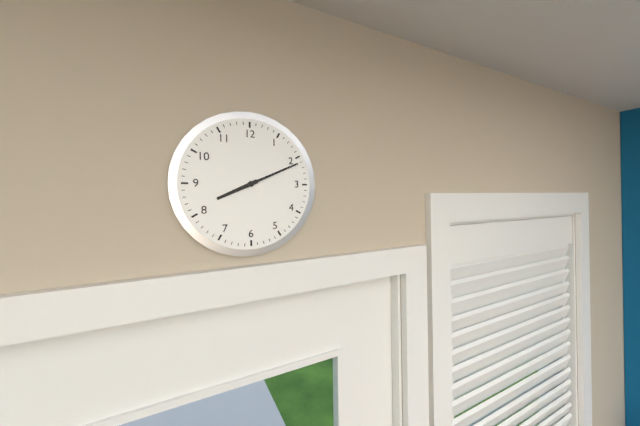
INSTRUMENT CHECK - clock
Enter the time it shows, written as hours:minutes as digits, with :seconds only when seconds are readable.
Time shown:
8:11
